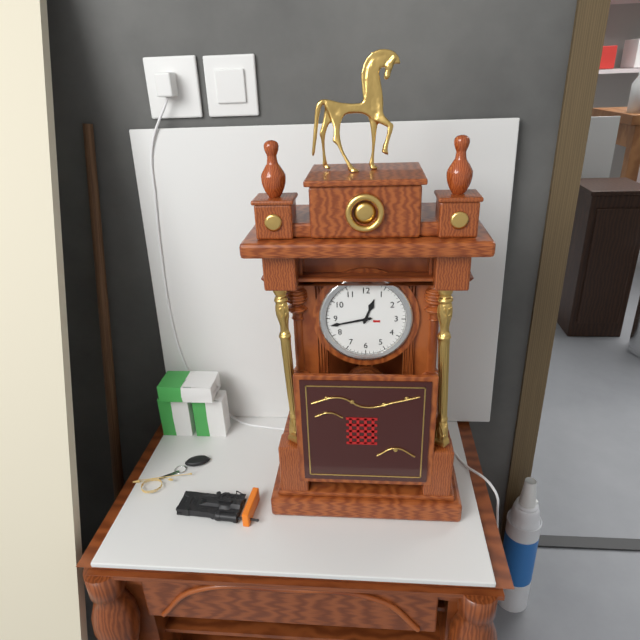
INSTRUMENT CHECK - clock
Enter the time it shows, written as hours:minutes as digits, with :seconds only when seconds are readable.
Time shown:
12:43
